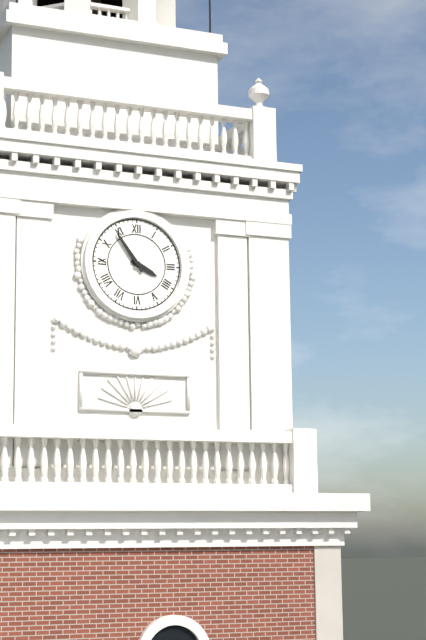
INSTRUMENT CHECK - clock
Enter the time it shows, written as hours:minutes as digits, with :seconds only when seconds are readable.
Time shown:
3:54
